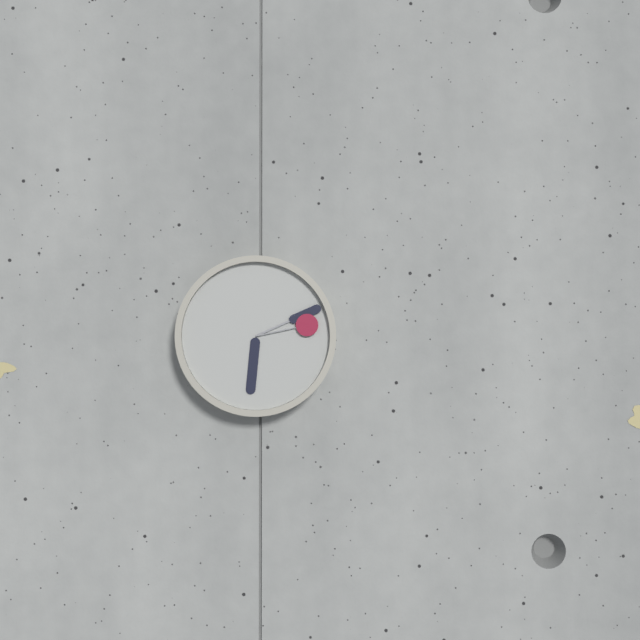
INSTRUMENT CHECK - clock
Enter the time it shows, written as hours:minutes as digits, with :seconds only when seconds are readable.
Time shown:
6:11:13
